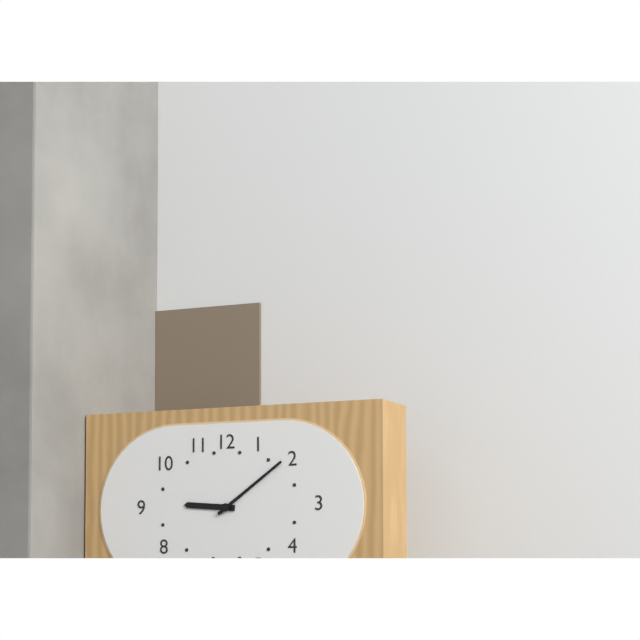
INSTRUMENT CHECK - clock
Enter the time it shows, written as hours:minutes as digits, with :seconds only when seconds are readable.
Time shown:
9:09
